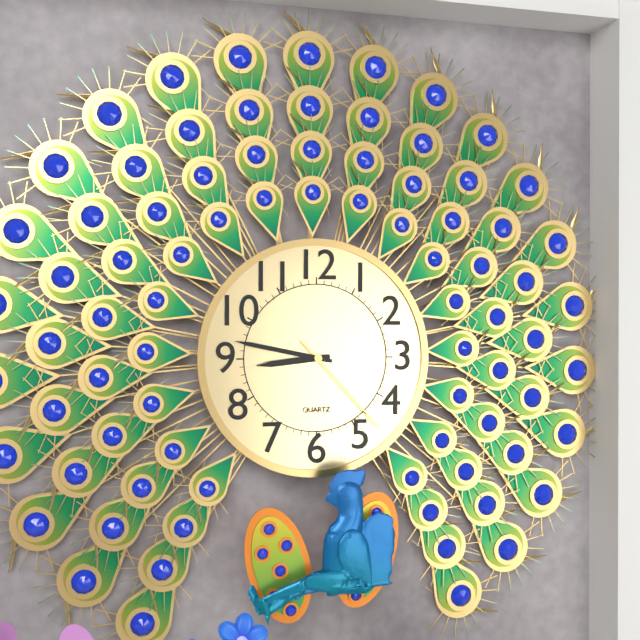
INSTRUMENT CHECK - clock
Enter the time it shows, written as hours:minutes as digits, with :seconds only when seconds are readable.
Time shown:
8:47:23
